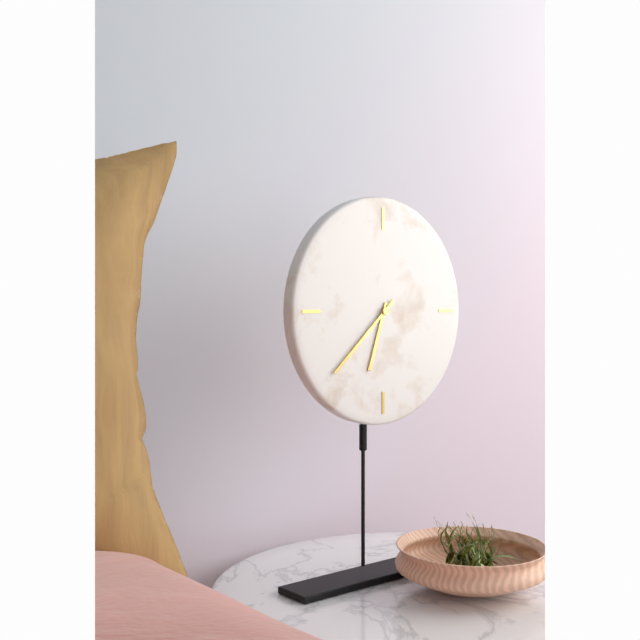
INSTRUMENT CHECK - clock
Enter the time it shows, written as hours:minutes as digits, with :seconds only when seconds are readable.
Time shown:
6:38
